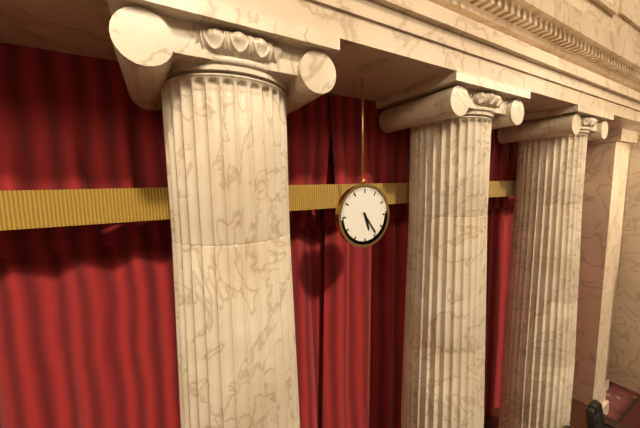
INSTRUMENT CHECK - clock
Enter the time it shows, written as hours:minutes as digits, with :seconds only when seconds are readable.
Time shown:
5:24
